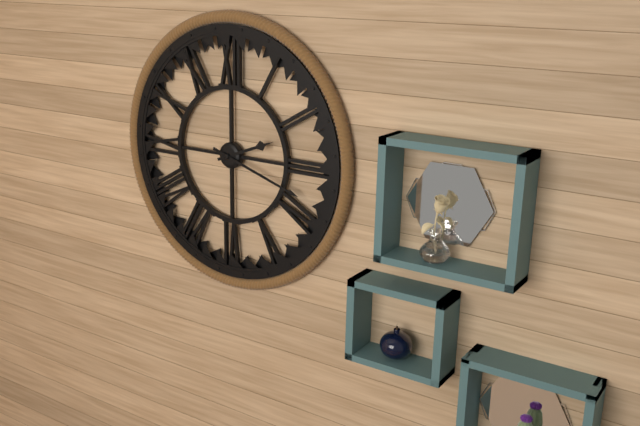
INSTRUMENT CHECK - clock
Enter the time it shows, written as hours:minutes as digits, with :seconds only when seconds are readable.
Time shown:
2:18
